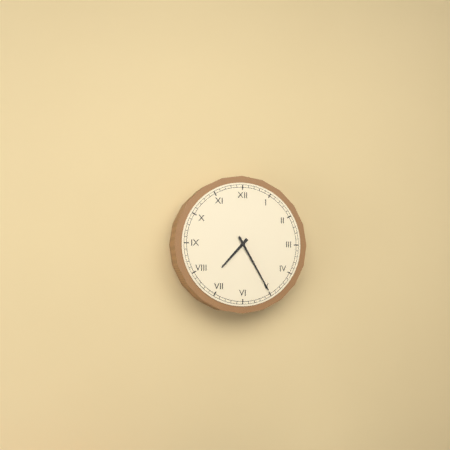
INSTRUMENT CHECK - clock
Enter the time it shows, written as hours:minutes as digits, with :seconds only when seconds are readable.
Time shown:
7:25
